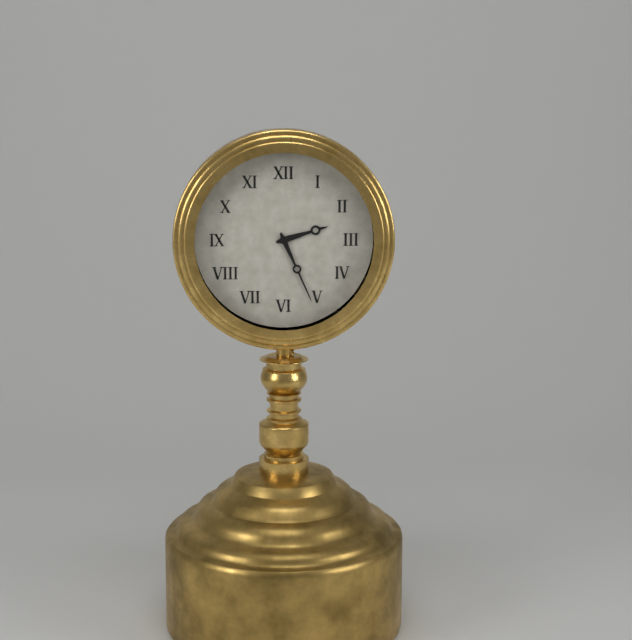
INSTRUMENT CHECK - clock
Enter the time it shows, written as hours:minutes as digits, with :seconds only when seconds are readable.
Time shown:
2:26
